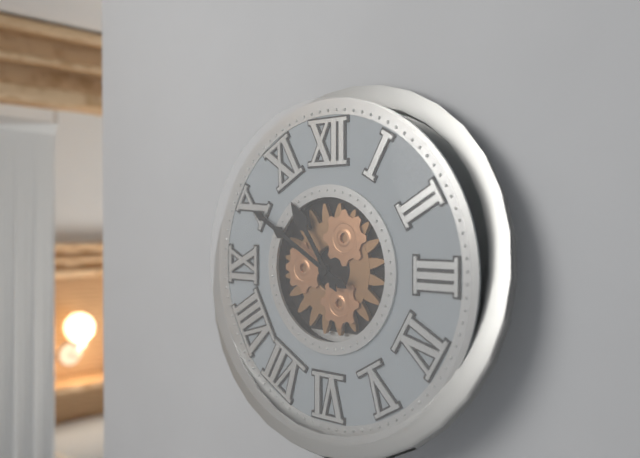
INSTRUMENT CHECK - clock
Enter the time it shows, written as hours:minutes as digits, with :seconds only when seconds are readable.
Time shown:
10:50
